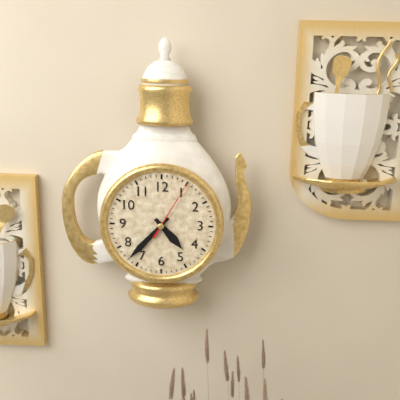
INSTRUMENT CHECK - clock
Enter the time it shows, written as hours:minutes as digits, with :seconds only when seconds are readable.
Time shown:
4:37:05
